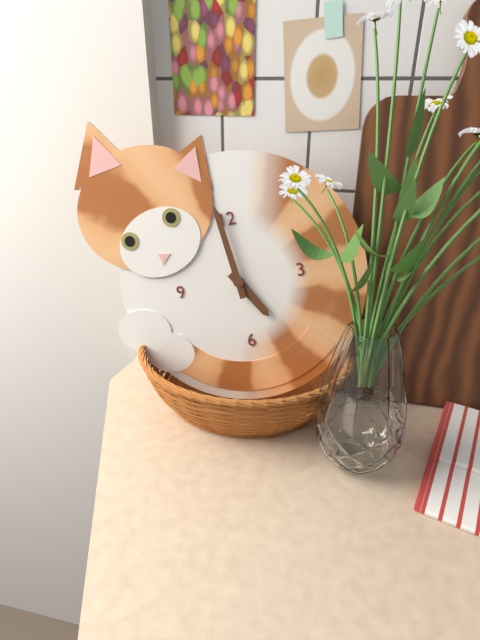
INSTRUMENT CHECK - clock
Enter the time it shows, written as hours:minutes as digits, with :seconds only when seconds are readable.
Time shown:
4:59
